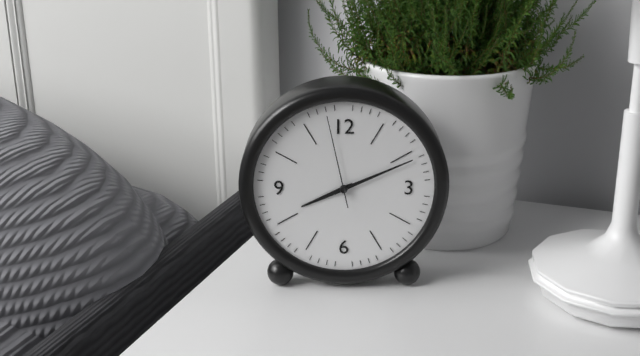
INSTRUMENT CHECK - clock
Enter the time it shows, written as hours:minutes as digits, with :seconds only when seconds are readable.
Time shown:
8:11:58
